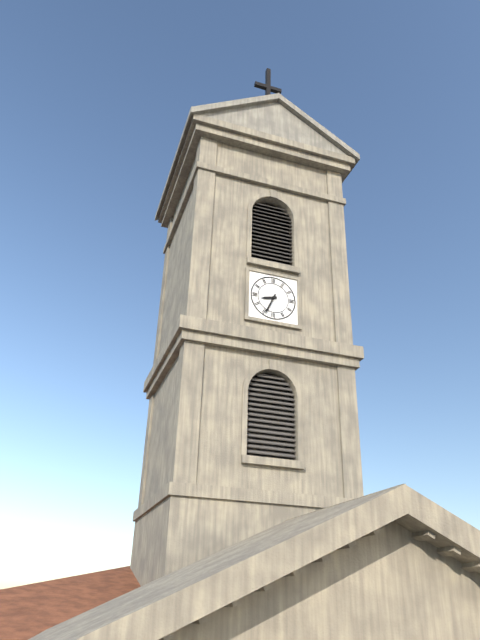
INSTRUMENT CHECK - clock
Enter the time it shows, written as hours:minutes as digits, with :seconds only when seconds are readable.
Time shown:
8:34
